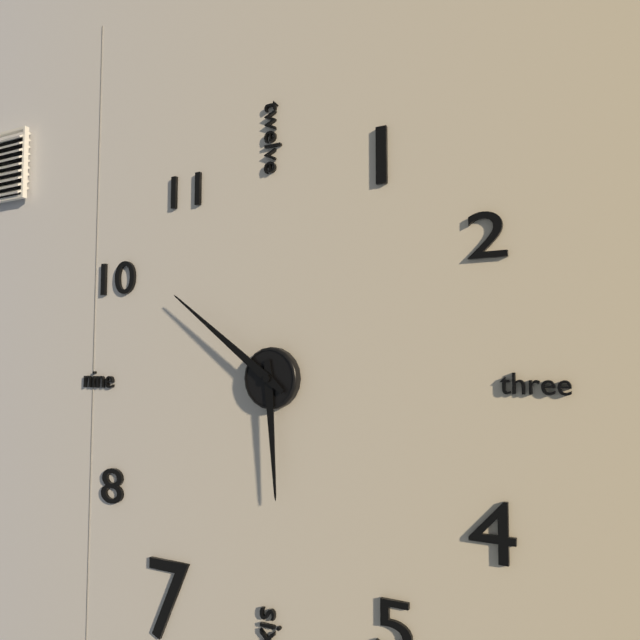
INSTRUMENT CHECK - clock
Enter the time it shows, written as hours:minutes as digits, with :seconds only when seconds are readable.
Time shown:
5:51
